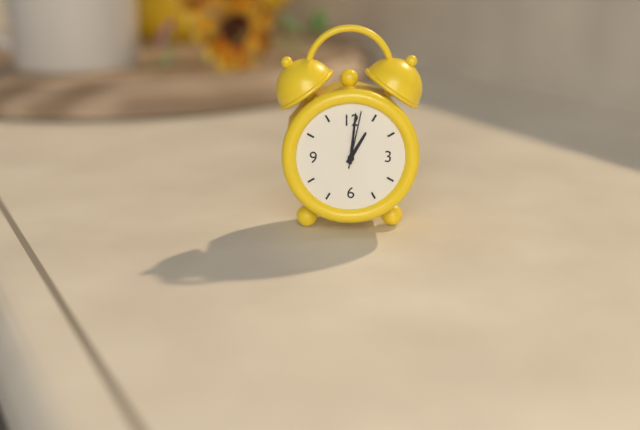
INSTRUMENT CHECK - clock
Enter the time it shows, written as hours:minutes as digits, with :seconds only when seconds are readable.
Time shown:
1:01:02
